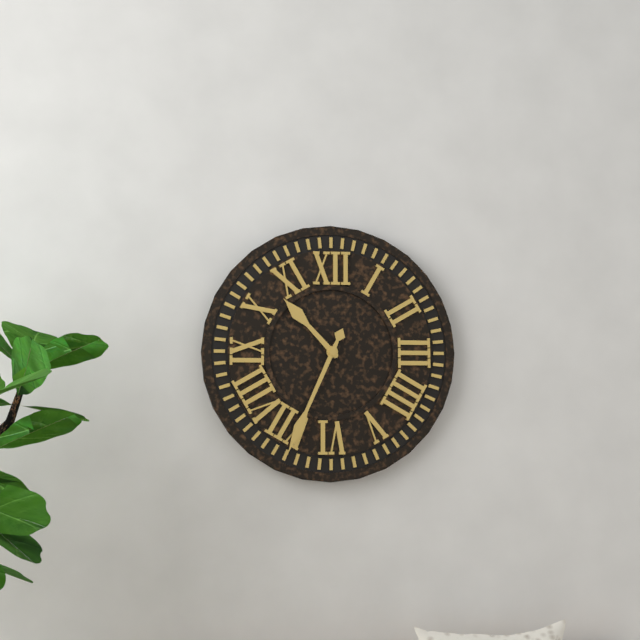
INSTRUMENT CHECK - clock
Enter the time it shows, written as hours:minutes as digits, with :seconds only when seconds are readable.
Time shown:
10:34
